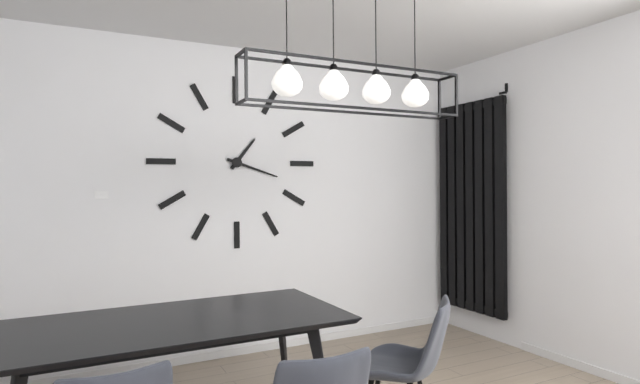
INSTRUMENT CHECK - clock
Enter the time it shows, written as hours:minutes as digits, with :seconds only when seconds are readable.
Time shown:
1:18
